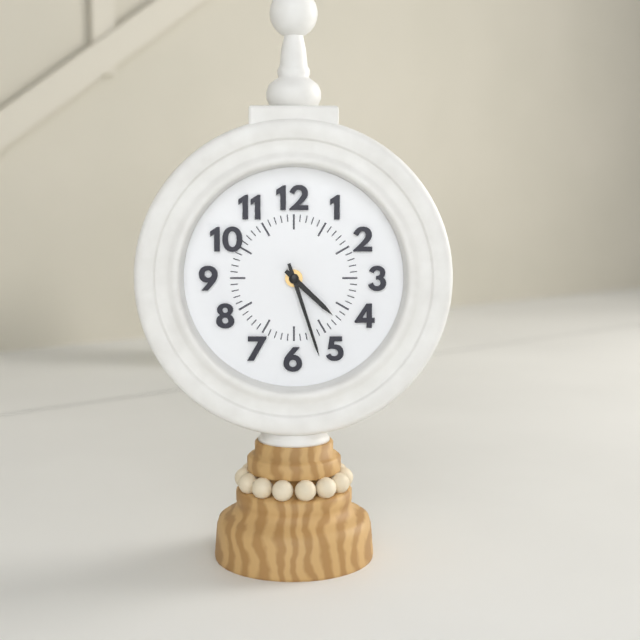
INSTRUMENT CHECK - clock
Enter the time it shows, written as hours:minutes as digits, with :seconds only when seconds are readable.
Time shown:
4:27
